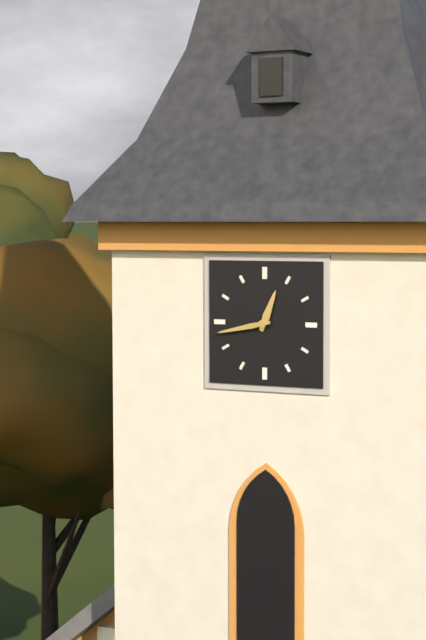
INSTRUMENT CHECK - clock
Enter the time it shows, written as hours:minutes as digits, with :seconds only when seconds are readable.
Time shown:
12:43
